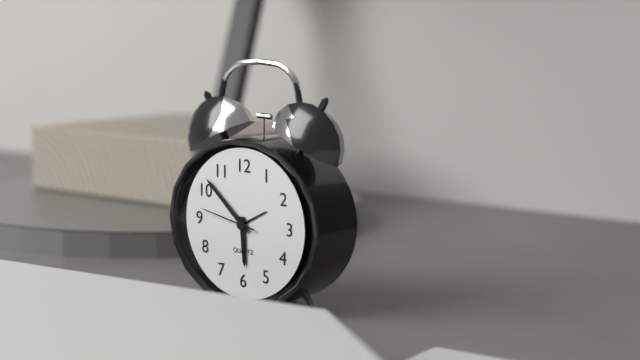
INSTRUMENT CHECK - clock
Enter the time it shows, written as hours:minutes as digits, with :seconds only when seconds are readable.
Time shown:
5:52:47
